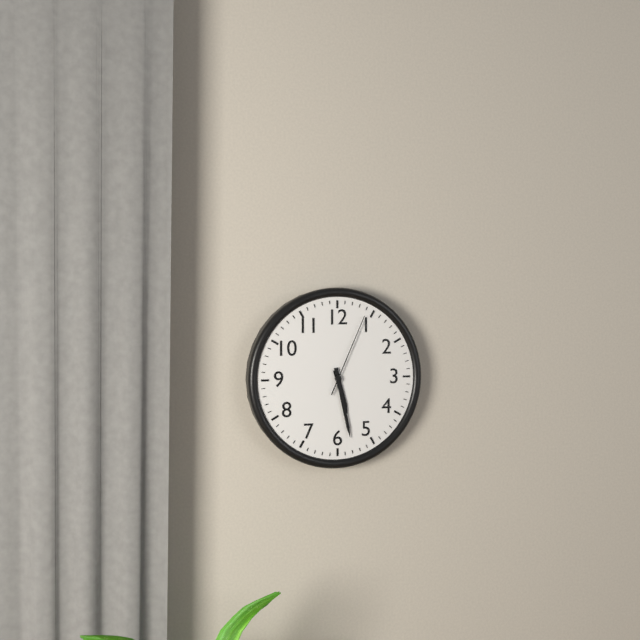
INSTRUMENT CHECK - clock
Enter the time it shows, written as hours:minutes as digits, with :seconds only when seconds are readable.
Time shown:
5:28:04
